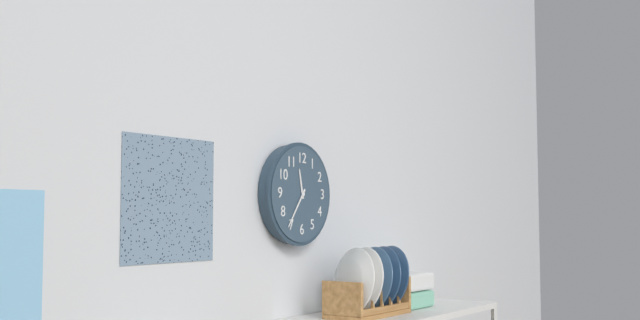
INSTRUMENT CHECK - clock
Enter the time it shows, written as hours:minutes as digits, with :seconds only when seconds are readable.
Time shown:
11:36
